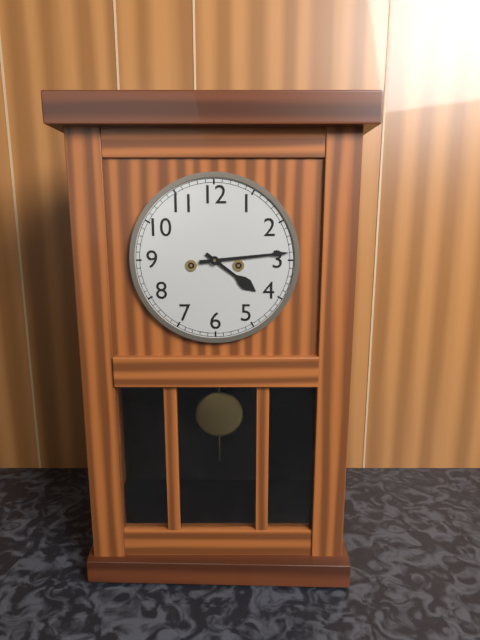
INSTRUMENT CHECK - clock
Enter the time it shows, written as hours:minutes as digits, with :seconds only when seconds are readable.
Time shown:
4:14
